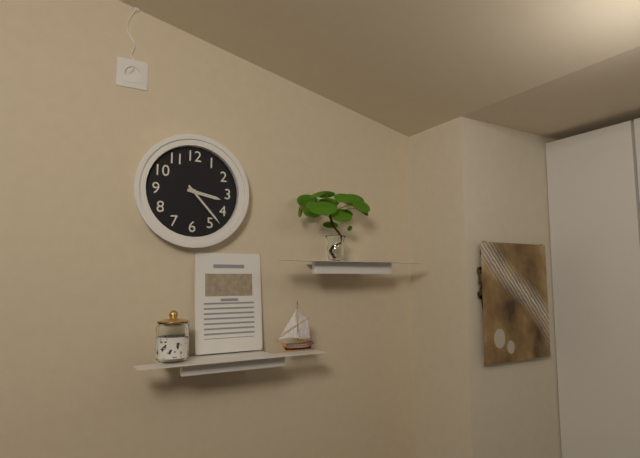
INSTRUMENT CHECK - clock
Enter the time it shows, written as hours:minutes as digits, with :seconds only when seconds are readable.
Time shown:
3:23
